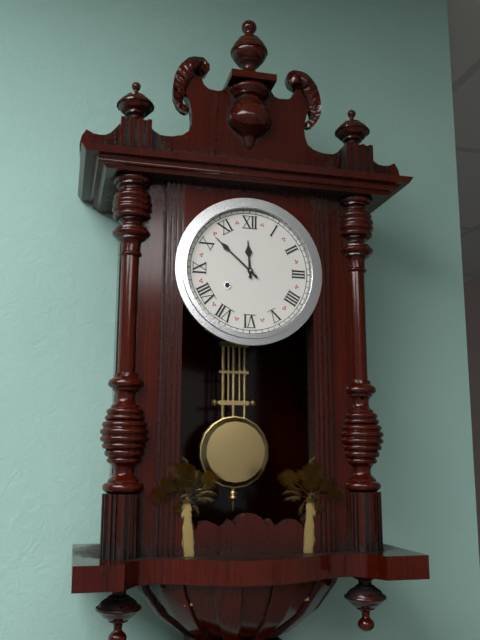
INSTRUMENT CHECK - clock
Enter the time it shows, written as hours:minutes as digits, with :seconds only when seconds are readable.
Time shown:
11:52
